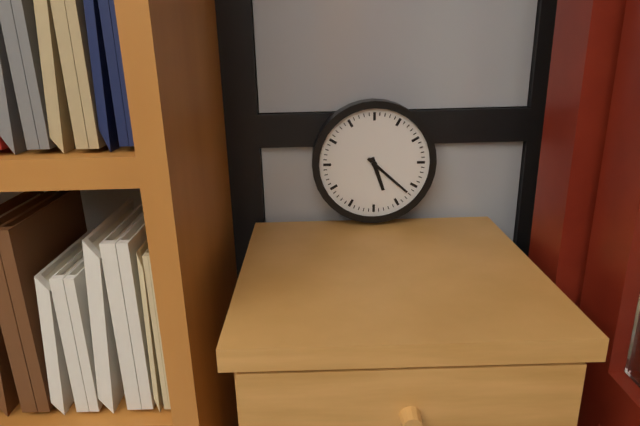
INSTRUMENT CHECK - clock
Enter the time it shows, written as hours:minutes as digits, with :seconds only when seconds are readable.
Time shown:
5:22
